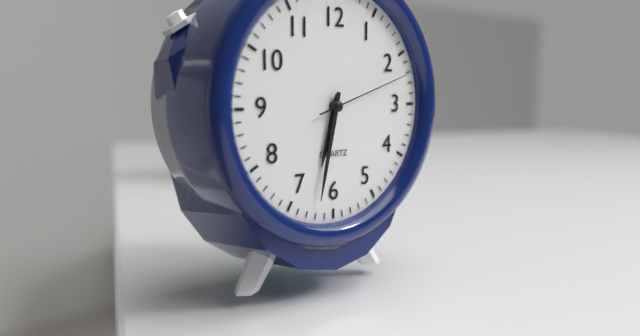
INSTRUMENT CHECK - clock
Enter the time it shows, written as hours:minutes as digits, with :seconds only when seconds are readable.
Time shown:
6:32:12
